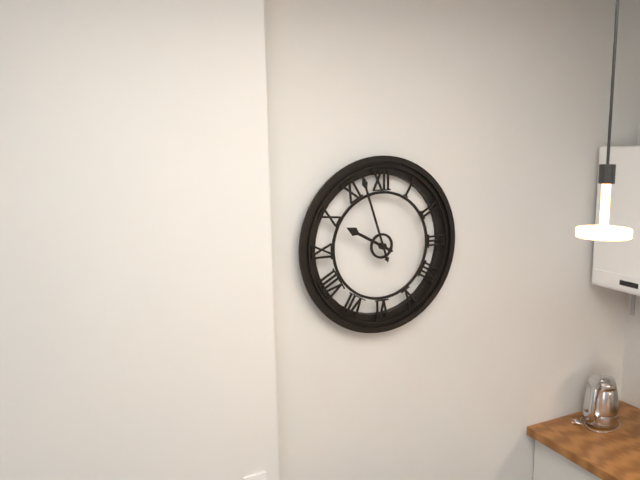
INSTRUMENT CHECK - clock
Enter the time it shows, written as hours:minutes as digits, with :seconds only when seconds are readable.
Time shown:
9:57
